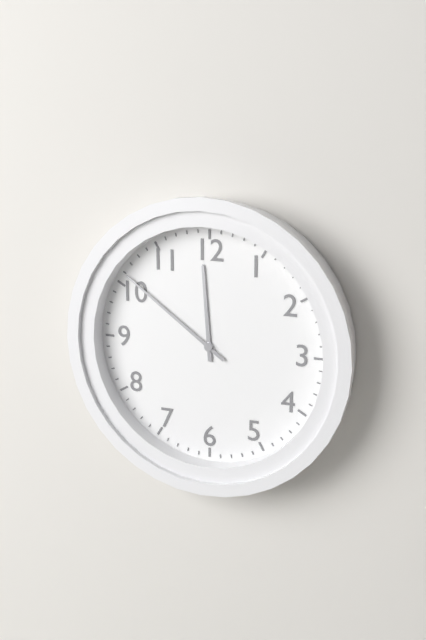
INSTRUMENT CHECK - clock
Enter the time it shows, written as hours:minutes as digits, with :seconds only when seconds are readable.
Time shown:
11:51
